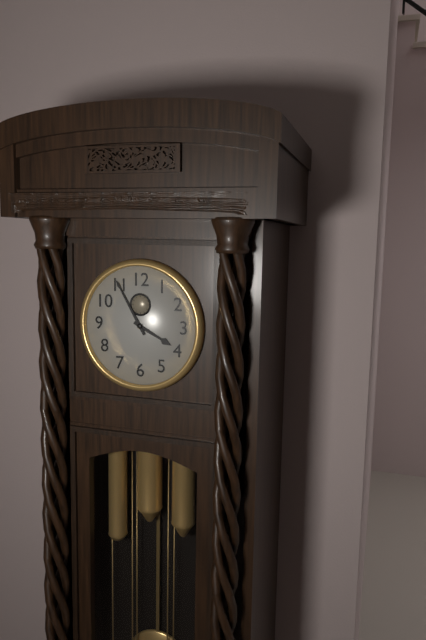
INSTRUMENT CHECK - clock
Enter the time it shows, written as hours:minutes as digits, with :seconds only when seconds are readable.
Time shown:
3:55
